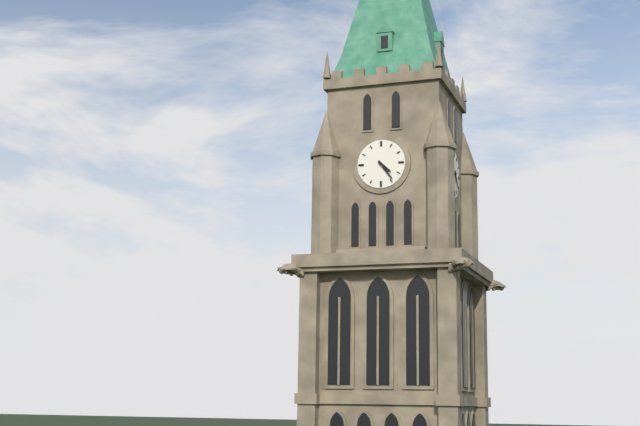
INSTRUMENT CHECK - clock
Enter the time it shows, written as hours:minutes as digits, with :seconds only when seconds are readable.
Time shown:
4:24
